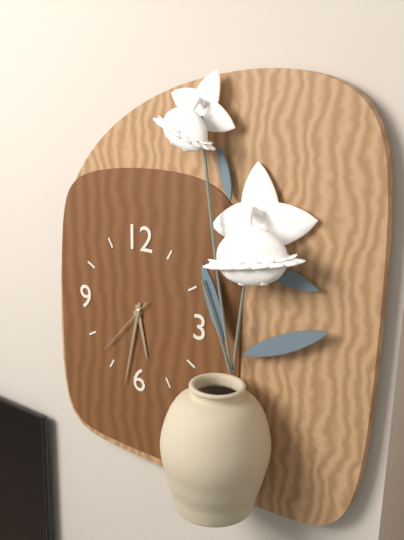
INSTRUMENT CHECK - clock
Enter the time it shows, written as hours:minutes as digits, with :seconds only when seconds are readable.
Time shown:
5:32:37
